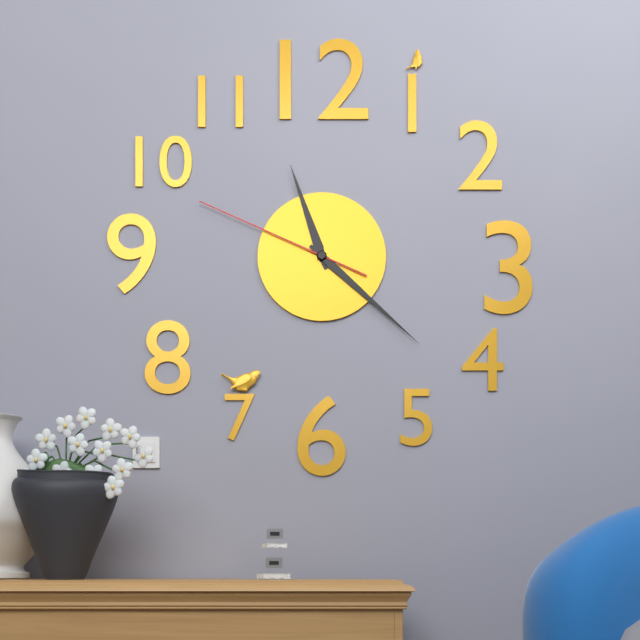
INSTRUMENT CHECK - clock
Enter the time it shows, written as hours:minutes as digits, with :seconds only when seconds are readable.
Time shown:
11:22:49
